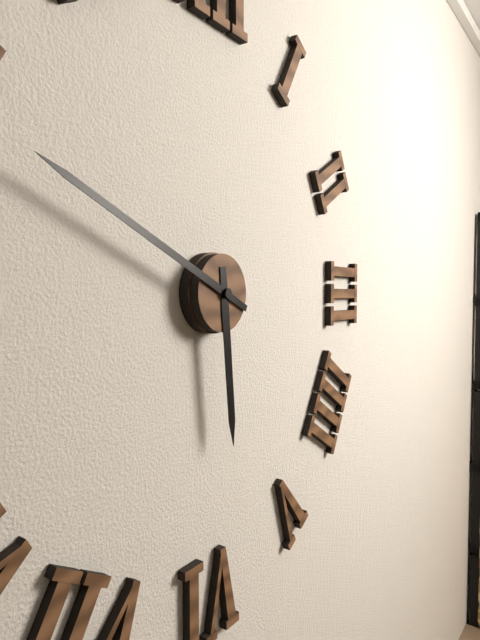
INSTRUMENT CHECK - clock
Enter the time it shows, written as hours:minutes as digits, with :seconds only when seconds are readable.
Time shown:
5:49
